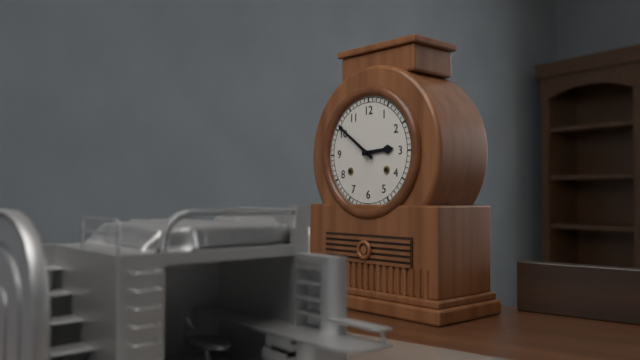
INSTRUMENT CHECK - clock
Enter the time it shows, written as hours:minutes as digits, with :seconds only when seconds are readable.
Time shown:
2:51
